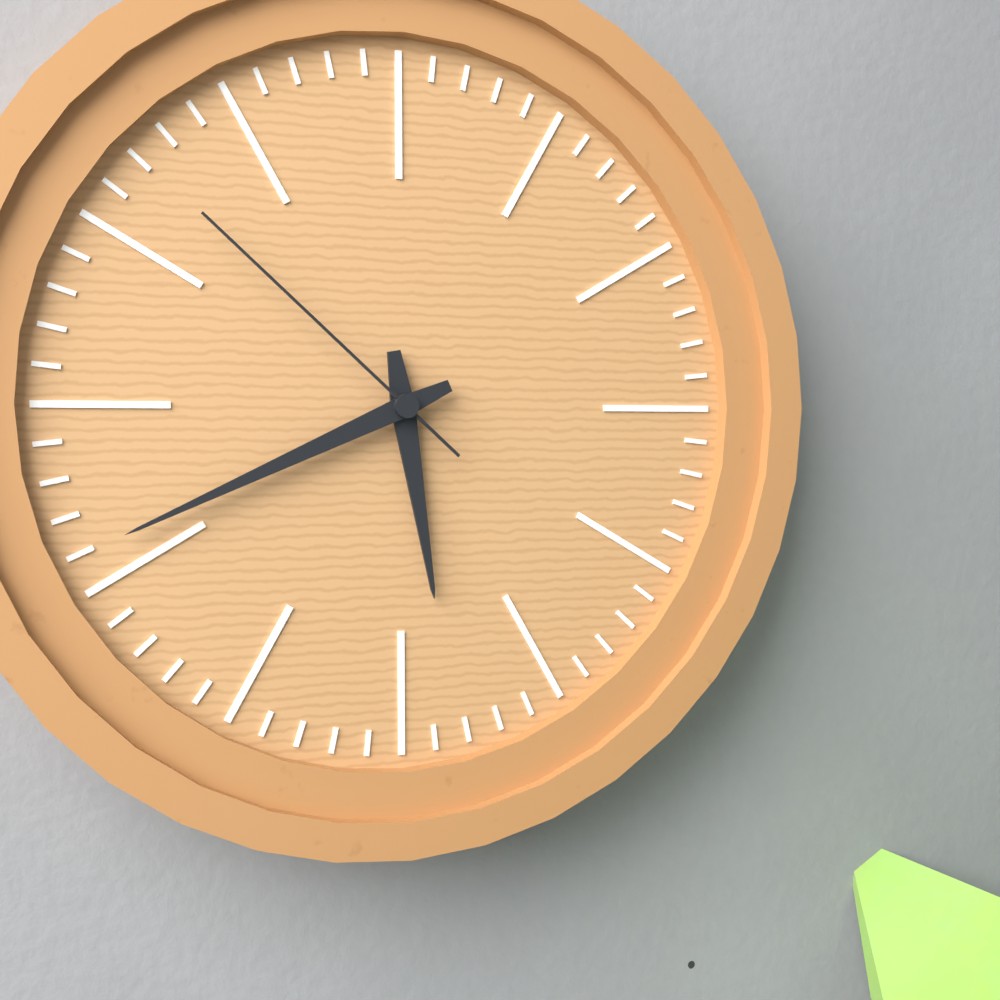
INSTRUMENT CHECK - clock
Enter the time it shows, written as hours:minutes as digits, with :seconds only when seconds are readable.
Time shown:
5:41:52
